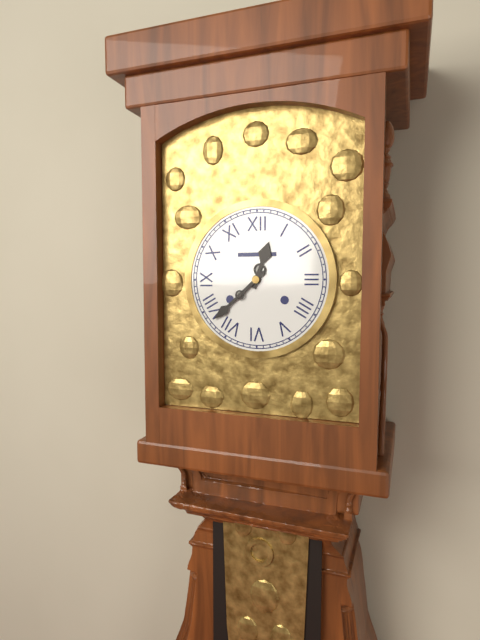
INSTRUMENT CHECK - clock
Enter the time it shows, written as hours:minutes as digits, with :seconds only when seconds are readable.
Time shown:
12:38
